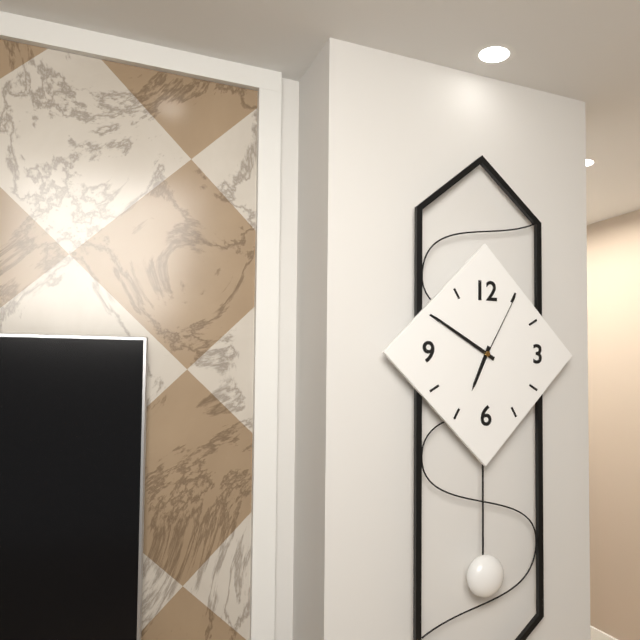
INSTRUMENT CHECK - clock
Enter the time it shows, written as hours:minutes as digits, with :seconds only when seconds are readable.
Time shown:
6:50:05
